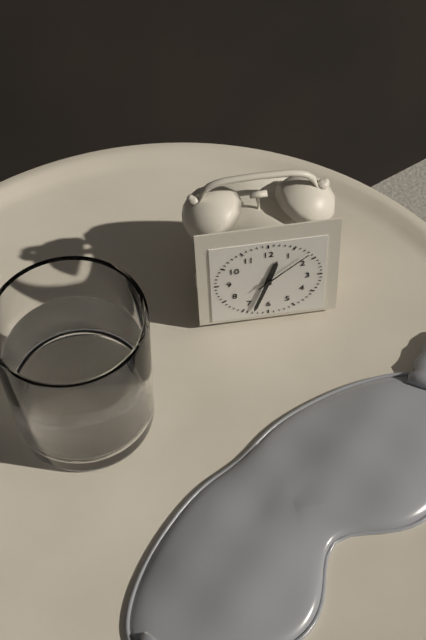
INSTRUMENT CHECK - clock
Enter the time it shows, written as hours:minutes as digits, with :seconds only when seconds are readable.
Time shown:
12:33:08
